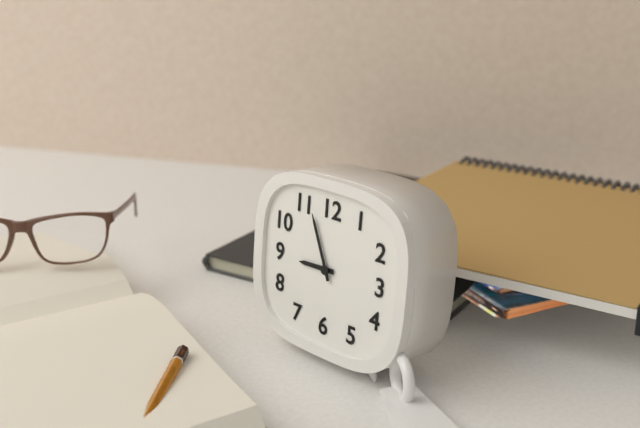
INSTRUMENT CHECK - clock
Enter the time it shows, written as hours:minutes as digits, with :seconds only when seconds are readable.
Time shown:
8:56
